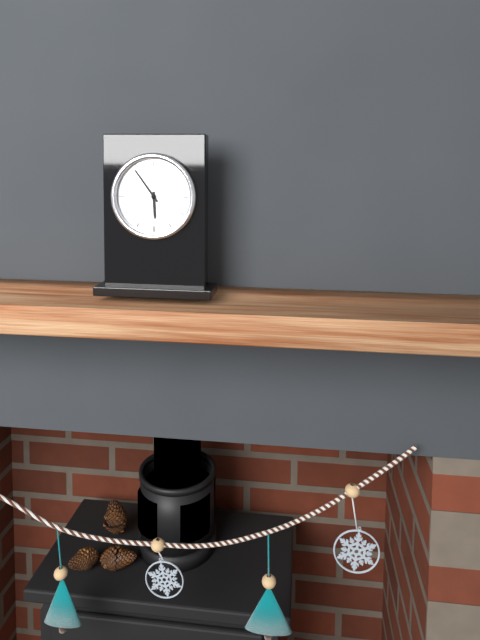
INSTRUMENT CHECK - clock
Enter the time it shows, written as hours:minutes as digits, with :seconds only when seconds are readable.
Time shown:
5:54
